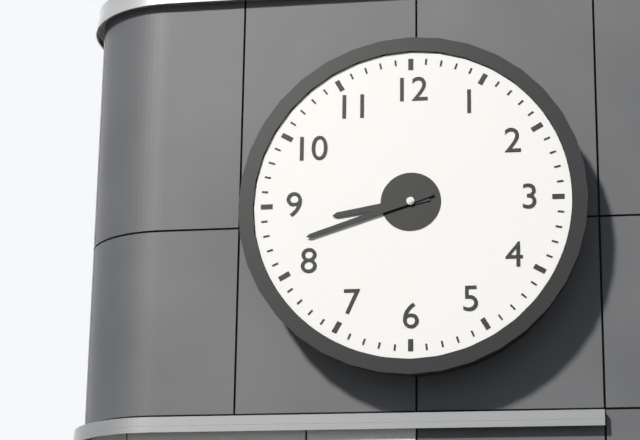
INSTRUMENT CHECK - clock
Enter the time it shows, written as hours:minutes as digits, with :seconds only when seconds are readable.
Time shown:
8:42
